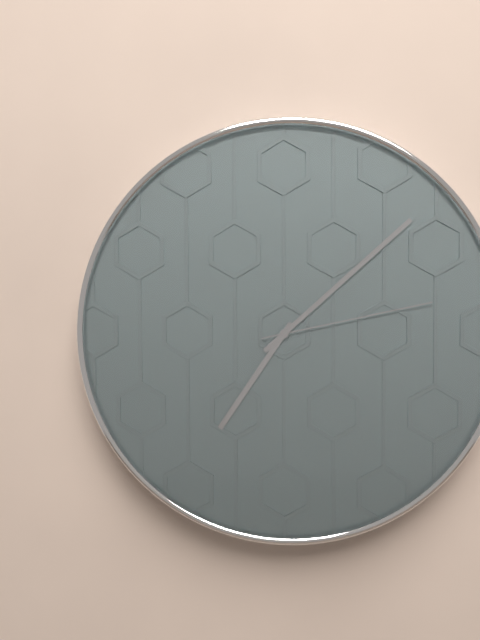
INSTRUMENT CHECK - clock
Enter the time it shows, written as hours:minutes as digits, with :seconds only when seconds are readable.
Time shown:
7:08:13
